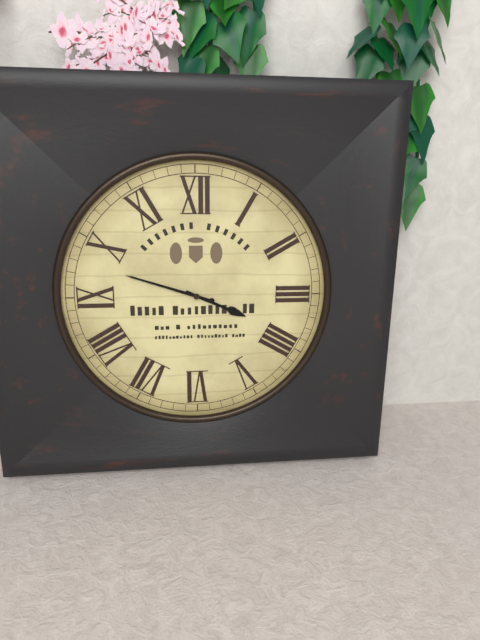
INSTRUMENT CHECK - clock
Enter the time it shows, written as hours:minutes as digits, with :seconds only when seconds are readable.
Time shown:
3:48
